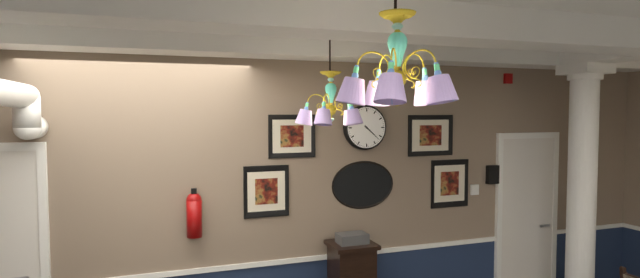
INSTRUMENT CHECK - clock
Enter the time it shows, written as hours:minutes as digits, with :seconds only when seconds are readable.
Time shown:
4:22
